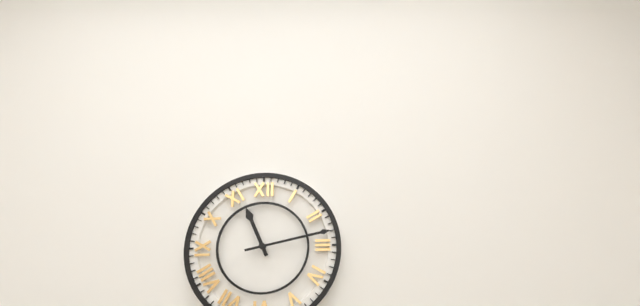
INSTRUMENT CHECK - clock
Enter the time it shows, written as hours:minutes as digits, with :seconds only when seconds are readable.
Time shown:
11:13
